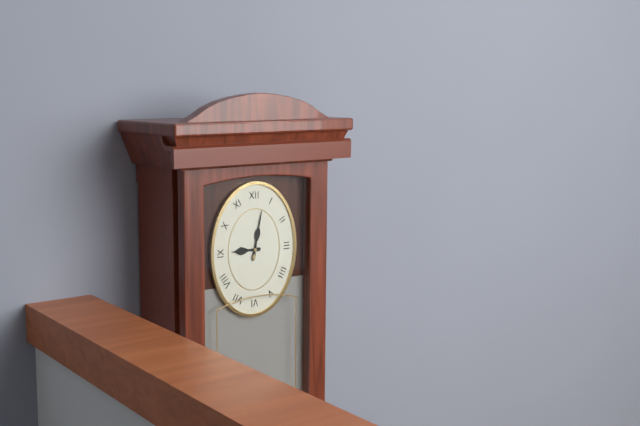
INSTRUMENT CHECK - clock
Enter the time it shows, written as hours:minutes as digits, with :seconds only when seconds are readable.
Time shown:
9:02
